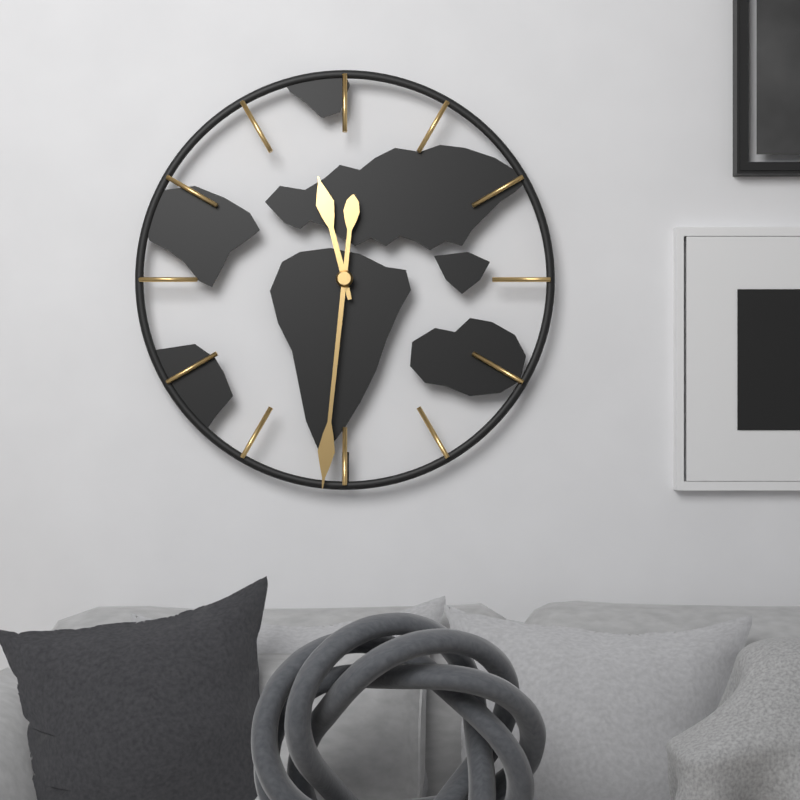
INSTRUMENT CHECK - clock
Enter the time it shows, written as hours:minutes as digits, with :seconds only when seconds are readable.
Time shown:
11:31
